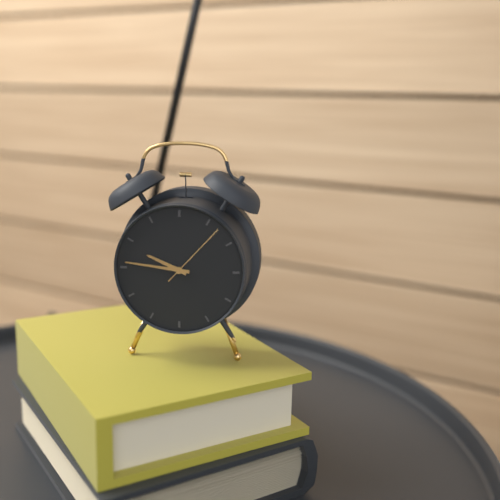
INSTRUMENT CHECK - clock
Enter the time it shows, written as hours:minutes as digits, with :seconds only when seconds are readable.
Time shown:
9:46:07
